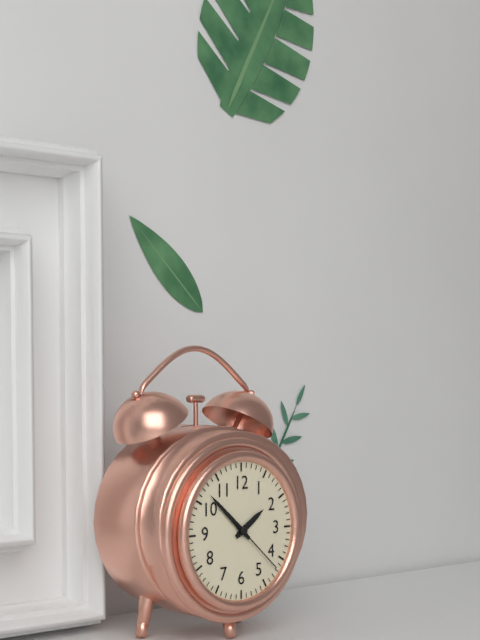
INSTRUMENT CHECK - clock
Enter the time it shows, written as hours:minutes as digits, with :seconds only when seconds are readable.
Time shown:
1:52:22
